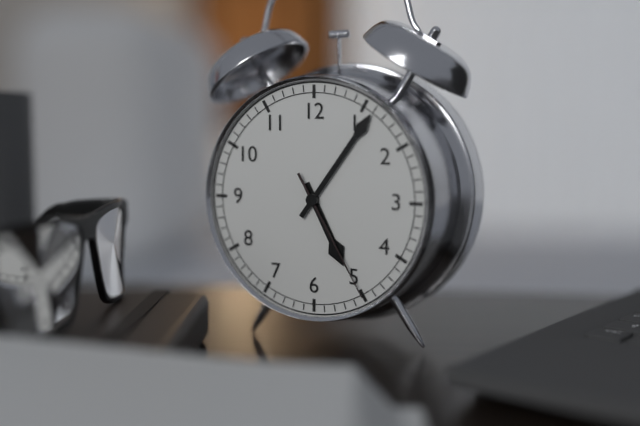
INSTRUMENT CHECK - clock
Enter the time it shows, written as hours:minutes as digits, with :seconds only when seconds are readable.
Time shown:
5:06:25
